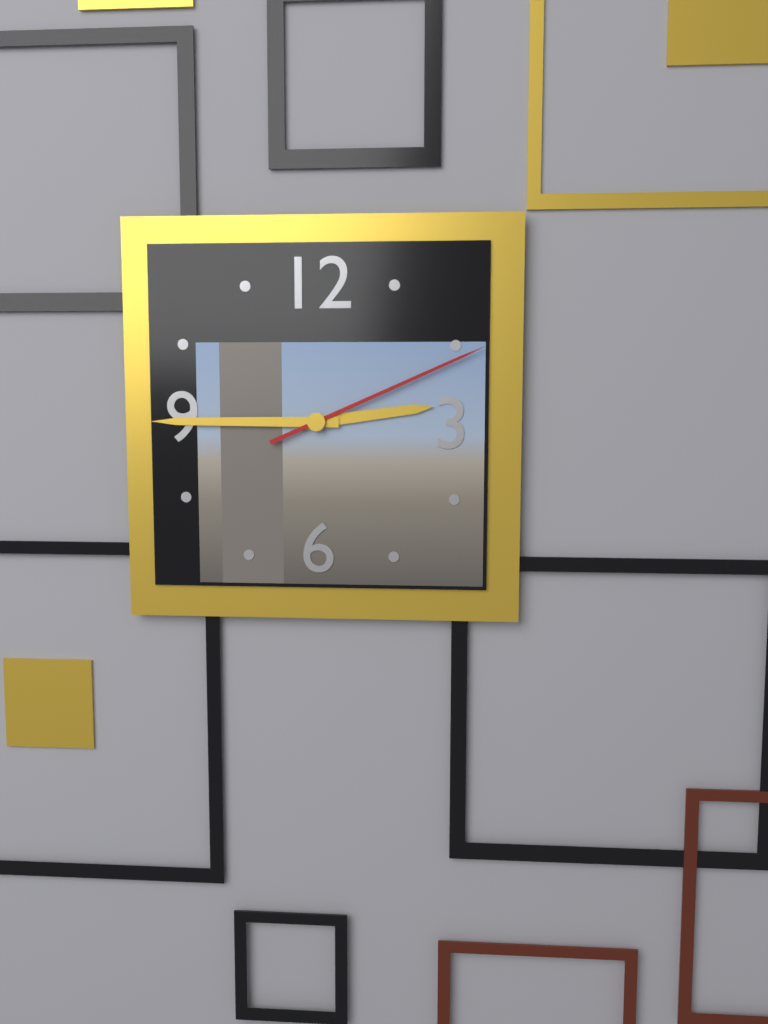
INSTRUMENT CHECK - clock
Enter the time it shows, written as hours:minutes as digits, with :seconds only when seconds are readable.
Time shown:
2:45:11
